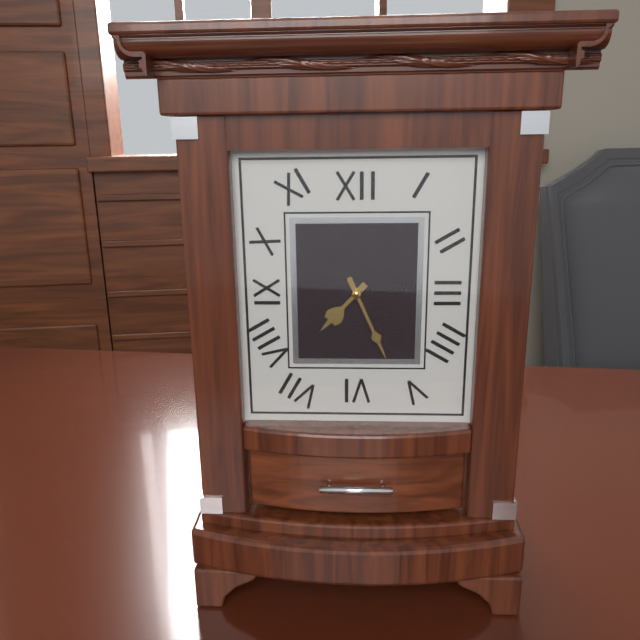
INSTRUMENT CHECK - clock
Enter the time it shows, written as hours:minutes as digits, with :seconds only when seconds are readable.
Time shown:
7:26
